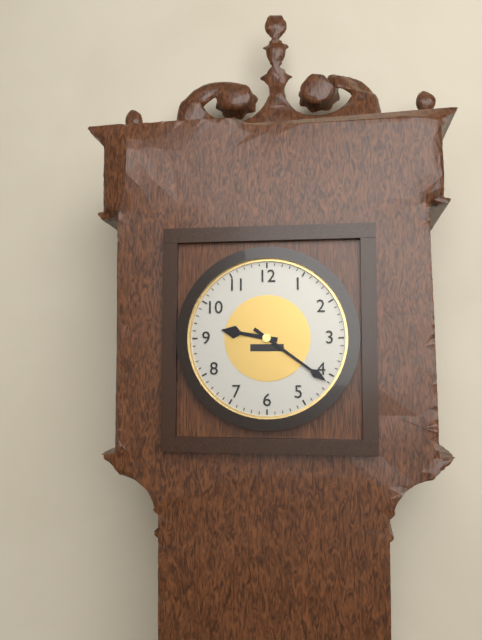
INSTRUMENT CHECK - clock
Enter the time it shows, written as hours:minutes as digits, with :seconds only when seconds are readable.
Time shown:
9:21
